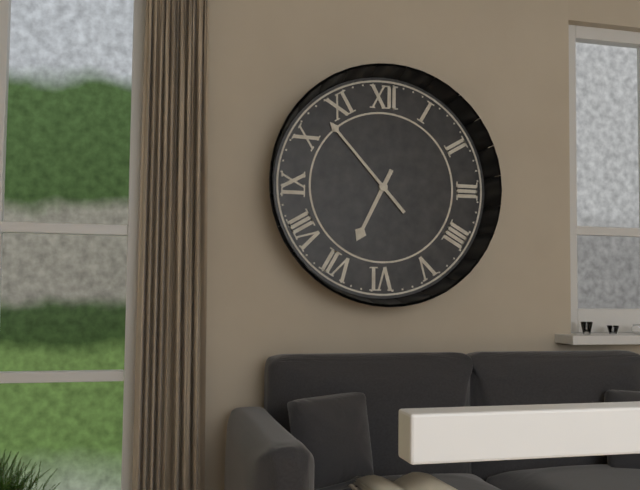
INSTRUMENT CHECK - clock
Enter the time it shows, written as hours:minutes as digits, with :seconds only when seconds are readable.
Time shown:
6:53
